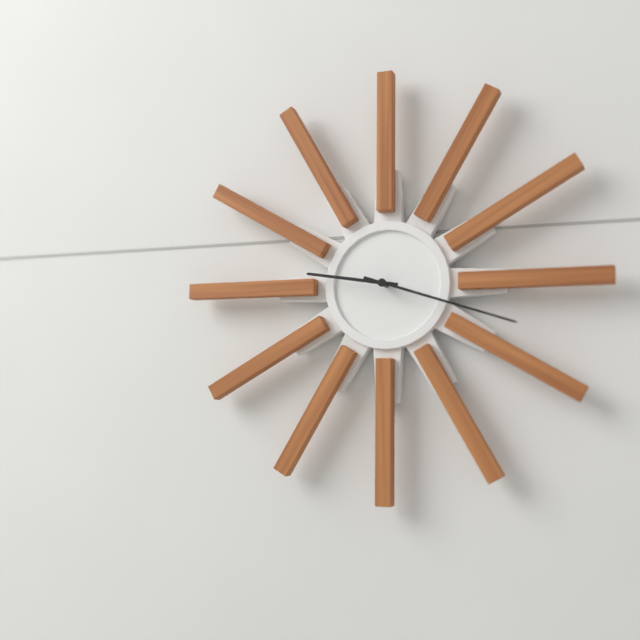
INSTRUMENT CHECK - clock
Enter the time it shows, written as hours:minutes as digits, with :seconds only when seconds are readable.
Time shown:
9:18
